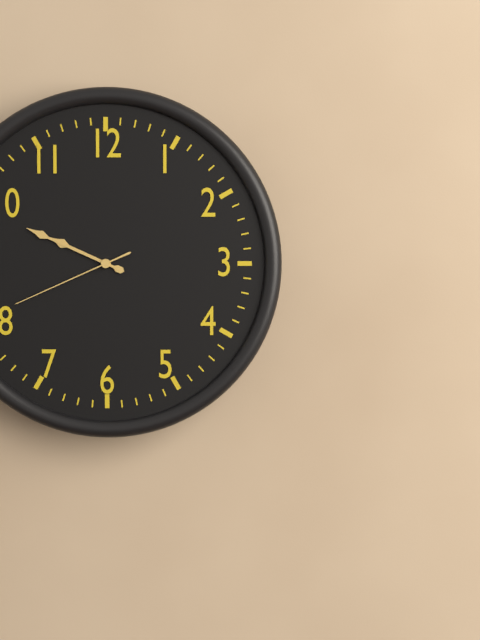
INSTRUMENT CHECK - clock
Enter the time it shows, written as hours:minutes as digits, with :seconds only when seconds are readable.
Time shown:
9:49:41
